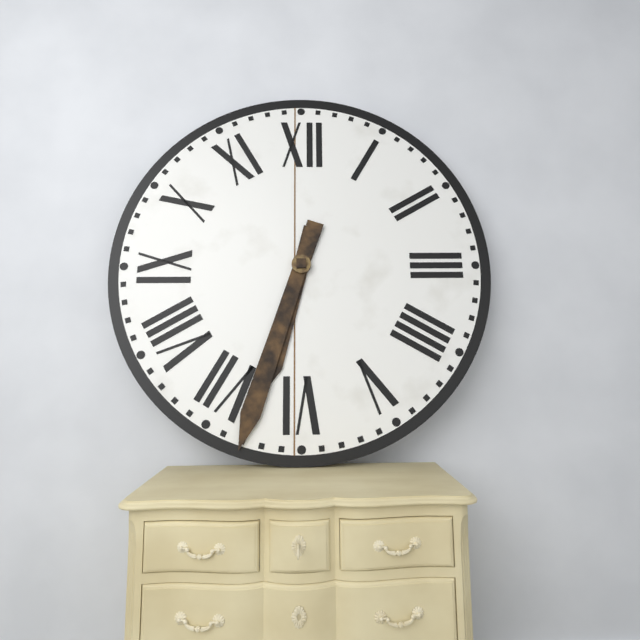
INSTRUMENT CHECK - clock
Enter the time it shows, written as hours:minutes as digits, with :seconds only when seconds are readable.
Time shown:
6:33
